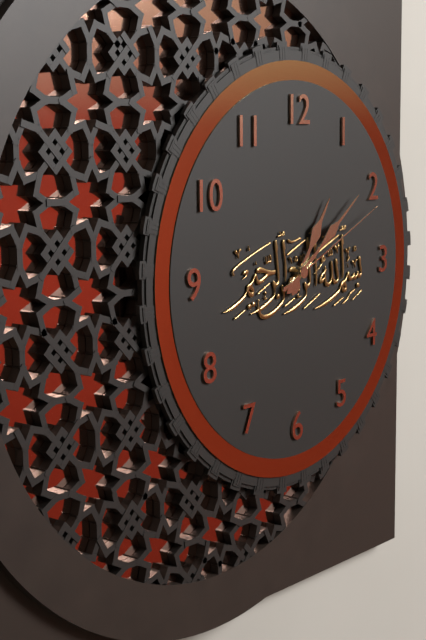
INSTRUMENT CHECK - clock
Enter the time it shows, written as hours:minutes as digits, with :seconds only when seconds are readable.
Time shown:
1:09:11
